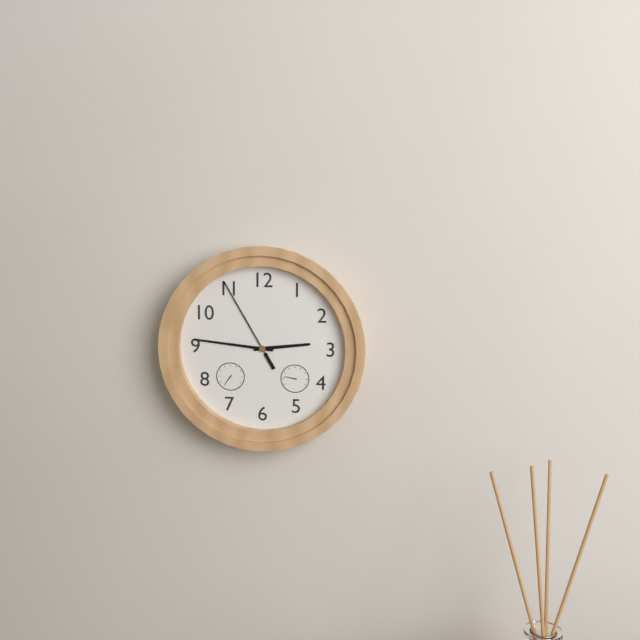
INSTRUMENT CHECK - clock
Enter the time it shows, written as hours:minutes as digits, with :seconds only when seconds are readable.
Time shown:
2:46:55
